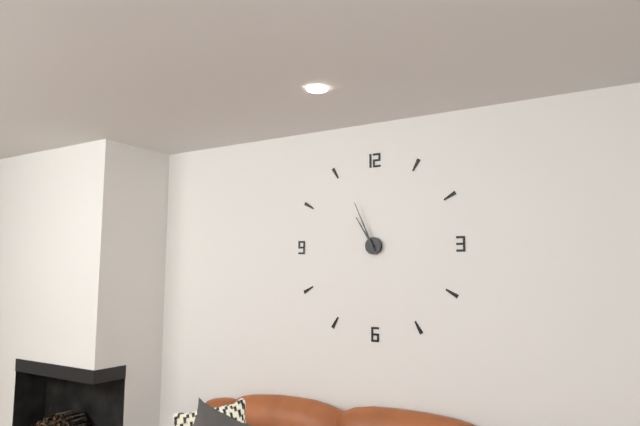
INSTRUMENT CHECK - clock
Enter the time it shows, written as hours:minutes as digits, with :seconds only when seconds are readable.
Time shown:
10:56
